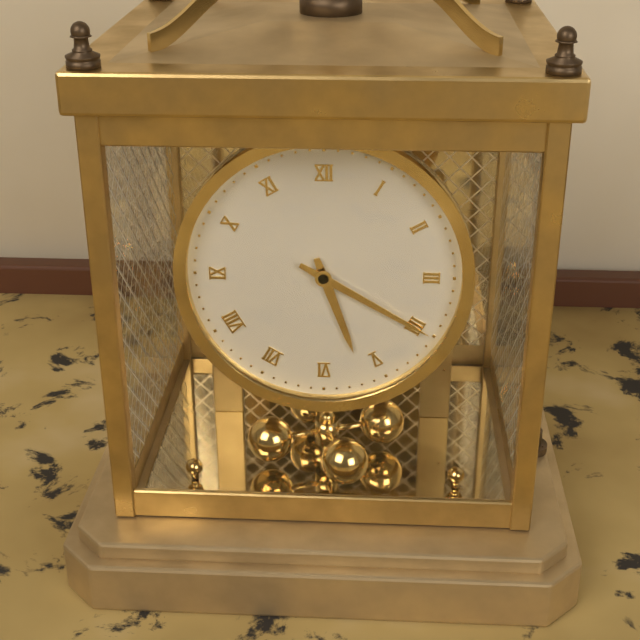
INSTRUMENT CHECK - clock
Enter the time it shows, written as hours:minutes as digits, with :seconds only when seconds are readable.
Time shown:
5:20
